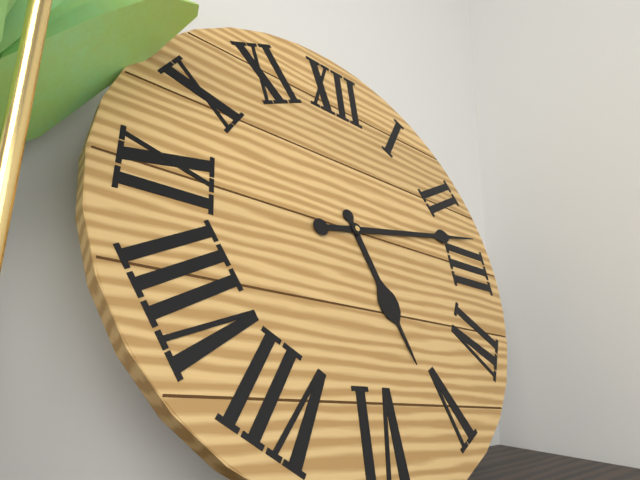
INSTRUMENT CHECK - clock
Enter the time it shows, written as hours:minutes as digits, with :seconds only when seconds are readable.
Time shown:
5:13
